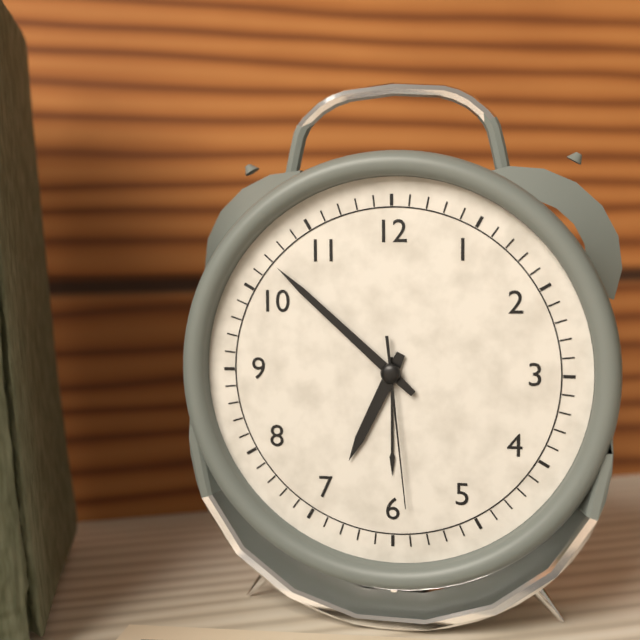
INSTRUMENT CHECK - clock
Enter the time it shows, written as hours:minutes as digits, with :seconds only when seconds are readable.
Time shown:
6:52:29
